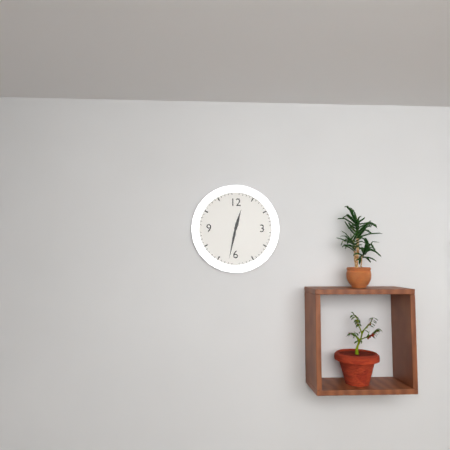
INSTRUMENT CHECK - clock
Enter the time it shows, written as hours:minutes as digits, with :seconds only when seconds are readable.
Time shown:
12:32
